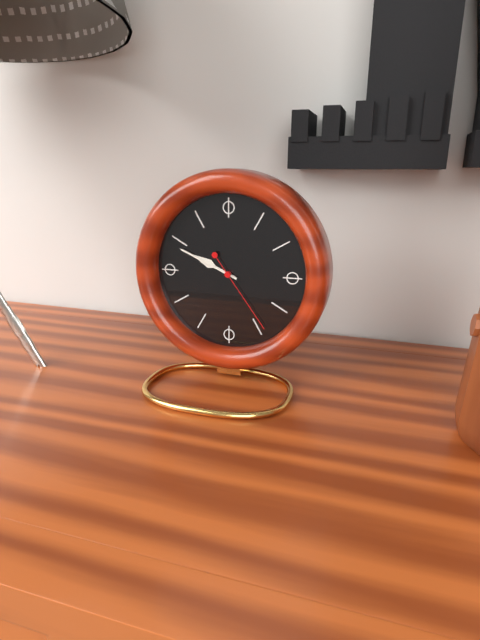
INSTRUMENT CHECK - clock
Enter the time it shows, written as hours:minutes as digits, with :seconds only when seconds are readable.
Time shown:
9:49:24
